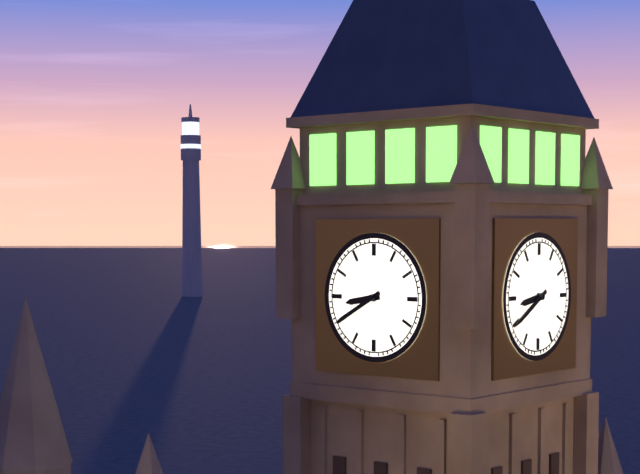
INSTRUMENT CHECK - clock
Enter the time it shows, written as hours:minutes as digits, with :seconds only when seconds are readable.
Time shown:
8:40
